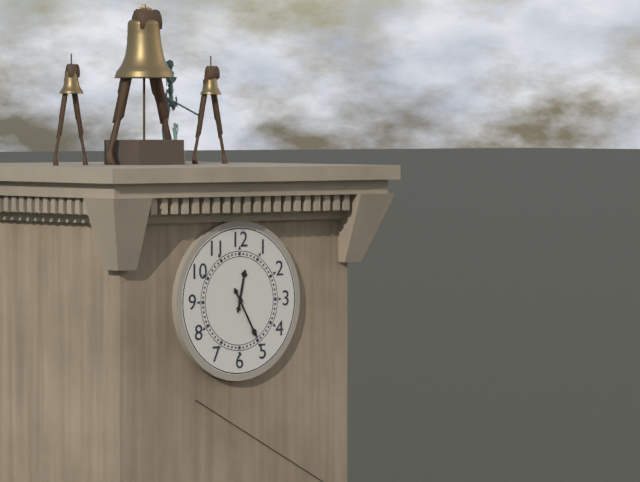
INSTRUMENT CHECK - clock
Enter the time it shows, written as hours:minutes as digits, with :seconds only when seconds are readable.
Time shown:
12:25
